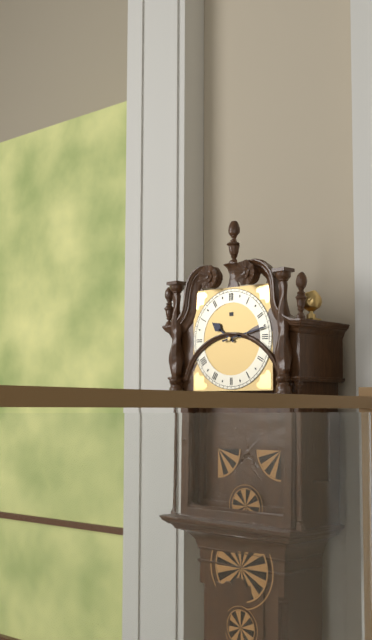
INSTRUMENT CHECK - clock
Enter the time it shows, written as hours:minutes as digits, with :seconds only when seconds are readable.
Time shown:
10:13
